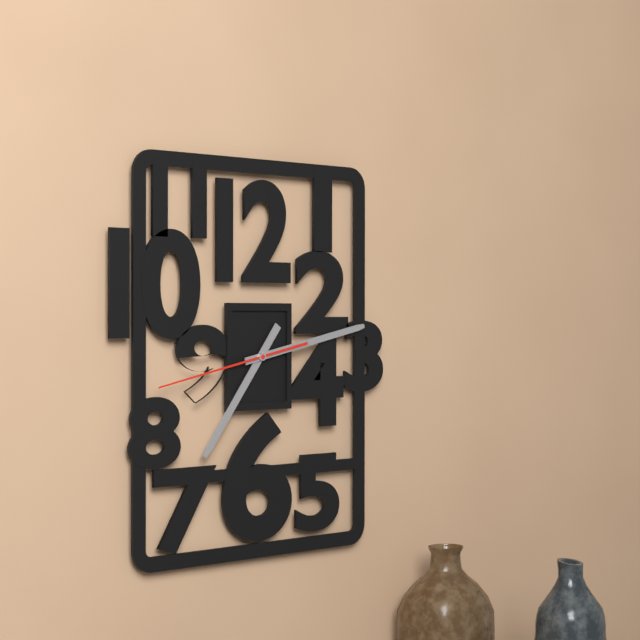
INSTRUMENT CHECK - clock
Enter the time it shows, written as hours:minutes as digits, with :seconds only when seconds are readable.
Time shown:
7:13:43
